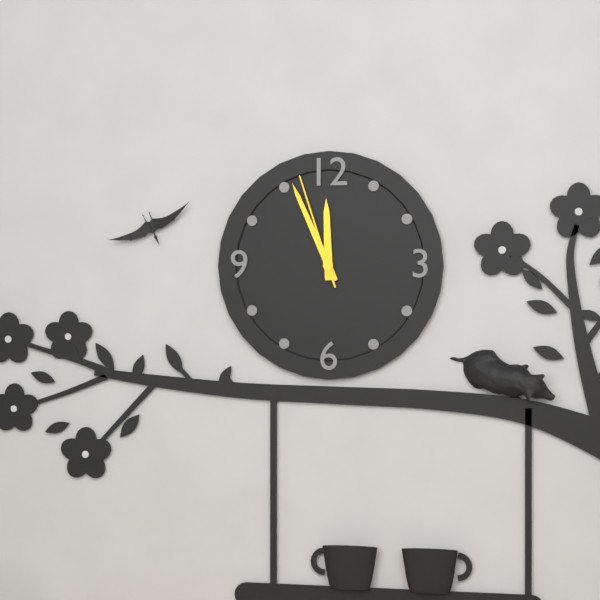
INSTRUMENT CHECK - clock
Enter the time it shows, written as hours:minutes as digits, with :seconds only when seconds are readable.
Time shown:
11:56:57
